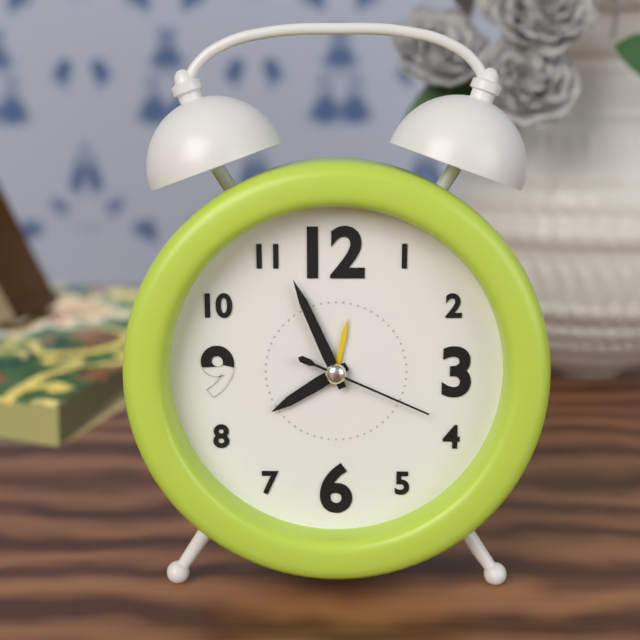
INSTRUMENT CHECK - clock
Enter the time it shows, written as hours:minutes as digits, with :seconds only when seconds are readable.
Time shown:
7:56:19
